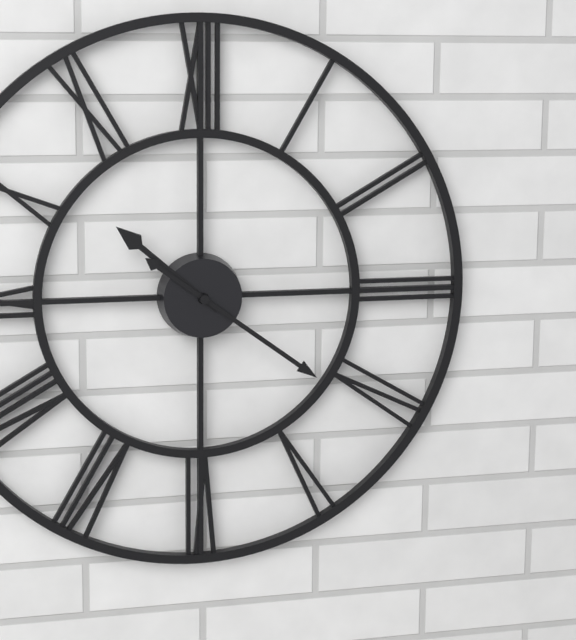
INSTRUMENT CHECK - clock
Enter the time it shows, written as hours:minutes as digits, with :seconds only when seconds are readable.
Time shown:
10:21
